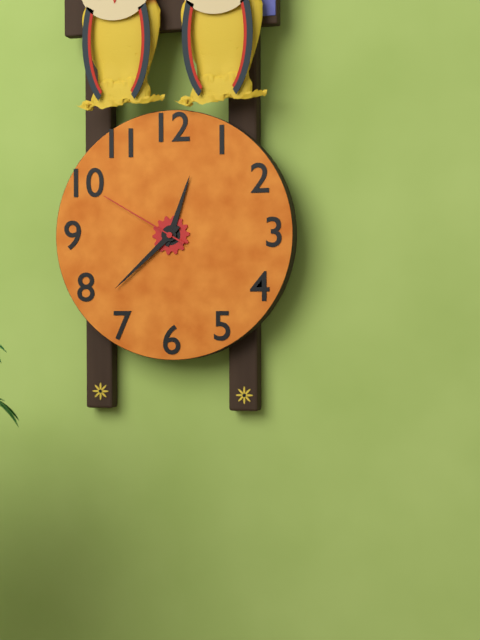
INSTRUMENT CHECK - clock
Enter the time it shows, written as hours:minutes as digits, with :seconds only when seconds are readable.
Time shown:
12:38:50
